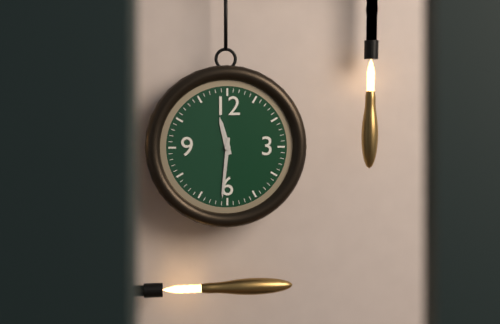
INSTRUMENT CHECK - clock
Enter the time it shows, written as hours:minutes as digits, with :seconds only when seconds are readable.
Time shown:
11:31
